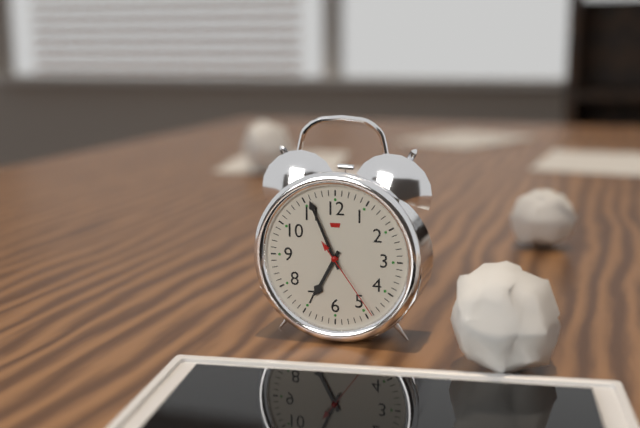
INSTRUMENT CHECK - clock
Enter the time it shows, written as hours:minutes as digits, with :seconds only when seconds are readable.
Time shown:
6:56:24
